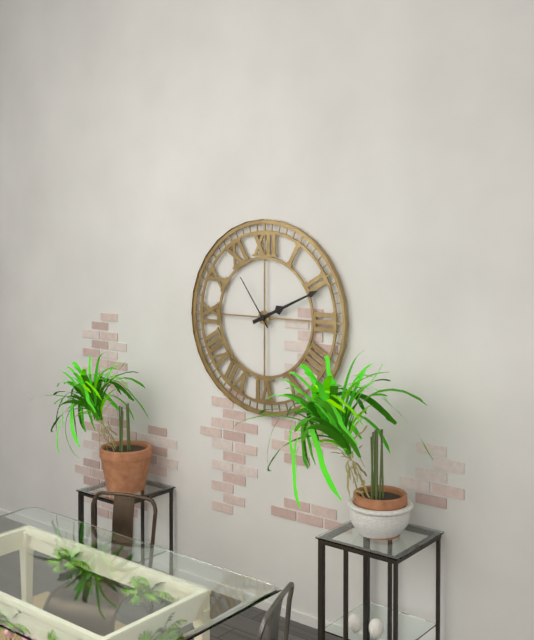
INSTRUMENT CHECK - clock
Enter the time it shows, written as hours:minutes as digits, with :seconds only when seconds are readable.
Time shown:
2:11:54
